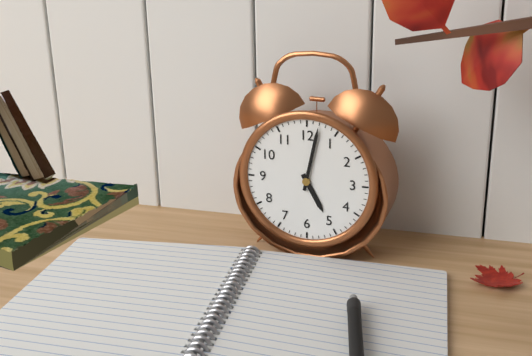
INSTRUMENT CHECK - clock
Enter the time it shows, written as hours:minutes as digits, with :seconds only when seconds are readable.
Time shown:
5:02
